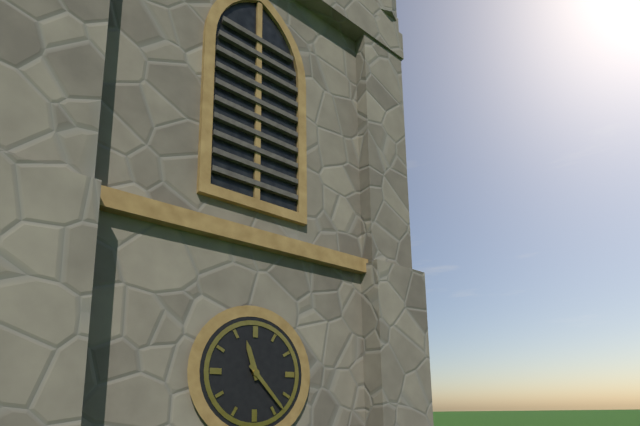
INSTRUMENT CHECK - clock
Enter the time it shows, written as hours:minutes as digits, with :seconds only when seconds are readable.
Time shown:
11:23
